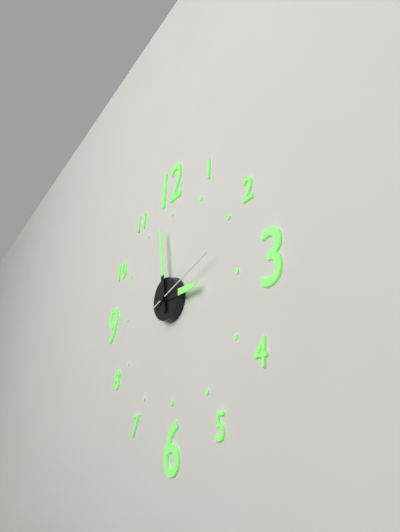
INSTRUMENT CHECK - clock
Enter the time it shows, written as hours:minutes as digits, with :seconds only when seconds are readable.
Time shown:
2:59:12
